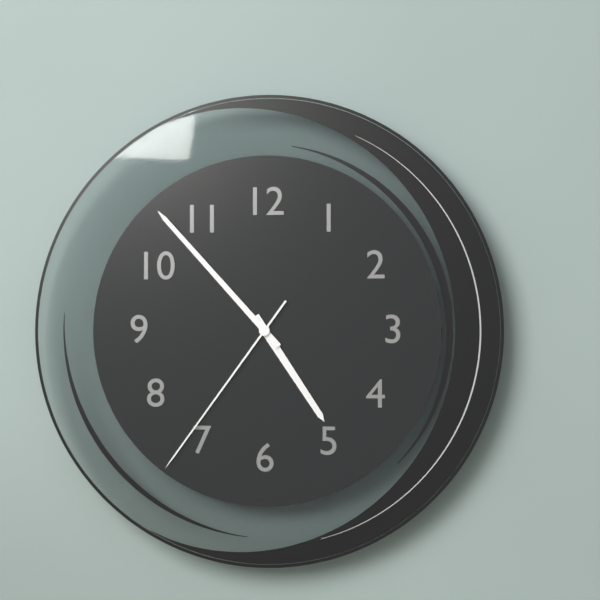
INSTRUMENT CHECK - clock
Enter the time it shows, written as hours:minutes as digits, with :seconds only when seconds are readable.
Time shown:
4:53:36
